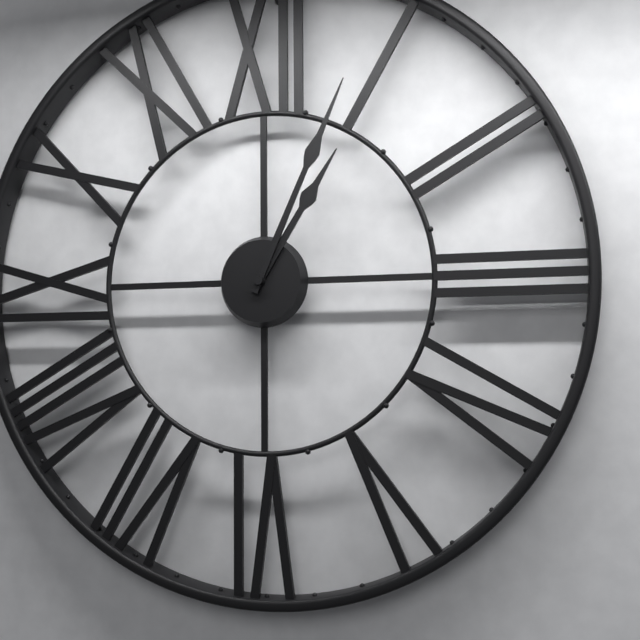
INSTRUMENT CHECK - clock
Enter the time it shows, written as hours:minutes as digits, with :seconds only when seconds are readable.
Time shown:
1:04
